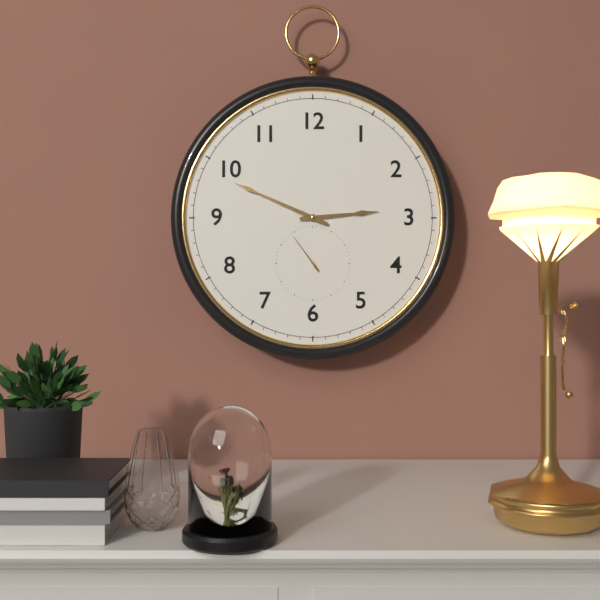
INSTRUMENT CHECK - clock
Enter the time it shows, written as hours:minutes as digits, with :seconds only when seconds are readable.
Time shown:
2:49
